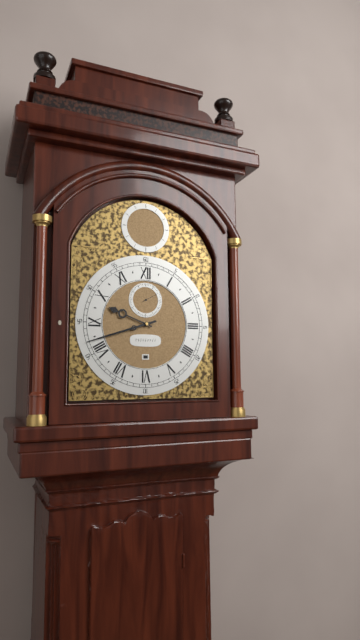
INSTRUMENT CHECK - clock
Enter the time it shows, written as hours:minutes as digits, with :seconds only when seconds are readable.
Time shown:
9:42
